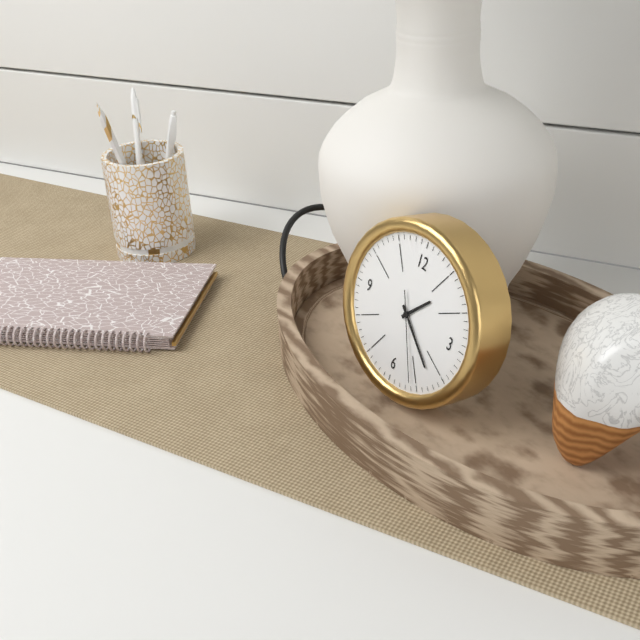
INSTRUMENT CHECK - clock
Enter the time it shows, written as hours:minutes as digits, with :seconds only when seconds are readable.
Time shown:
1:22:26
